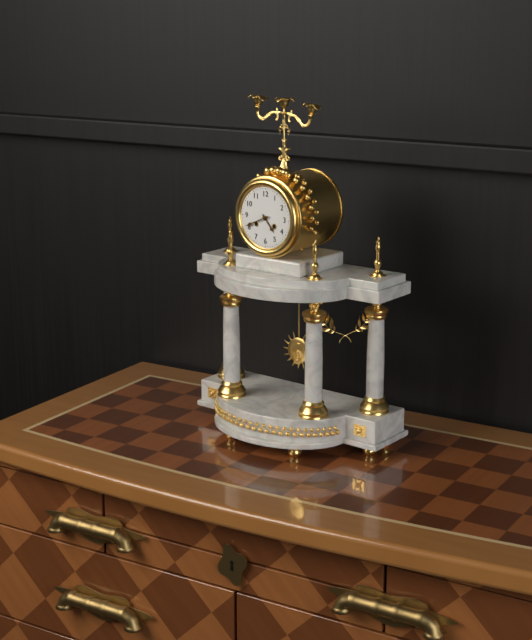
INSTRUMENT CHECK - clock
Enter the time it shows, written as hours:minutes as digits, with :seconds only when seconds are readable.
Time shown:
4:41
